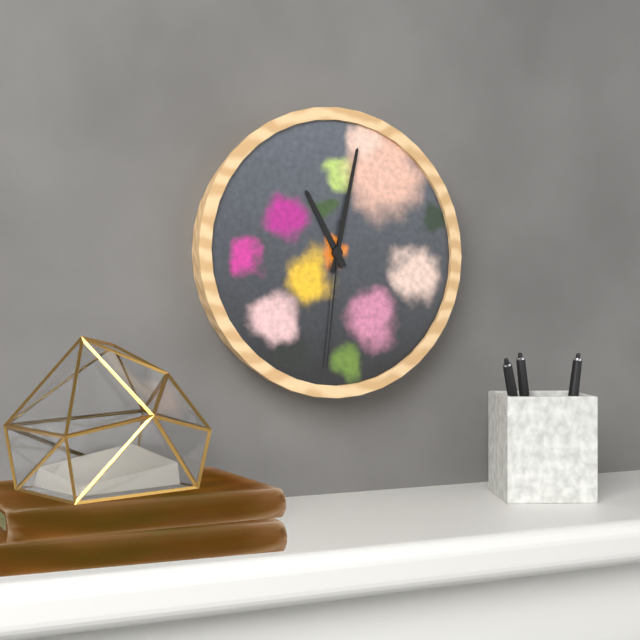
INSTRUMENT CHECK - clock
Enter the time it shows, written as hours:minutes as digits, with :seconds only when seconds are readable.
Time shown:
11:02:31
